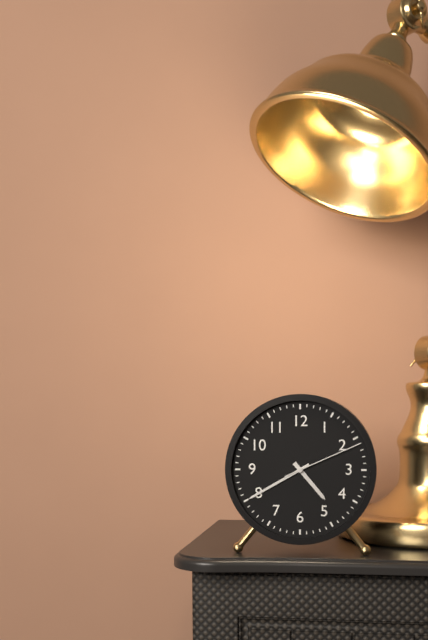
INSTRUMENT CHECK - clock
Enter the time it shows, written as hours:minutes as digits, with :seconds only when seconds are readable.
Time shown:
4:40:11
